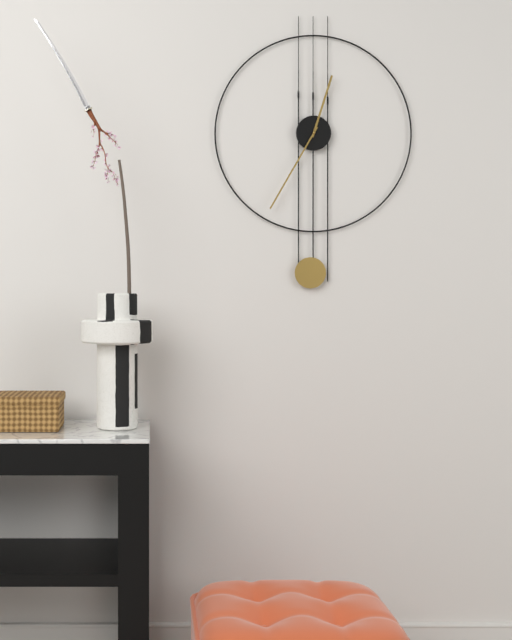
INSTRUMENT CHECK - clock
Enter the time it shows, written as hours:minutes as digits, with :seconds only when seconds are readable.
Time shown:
12:35
